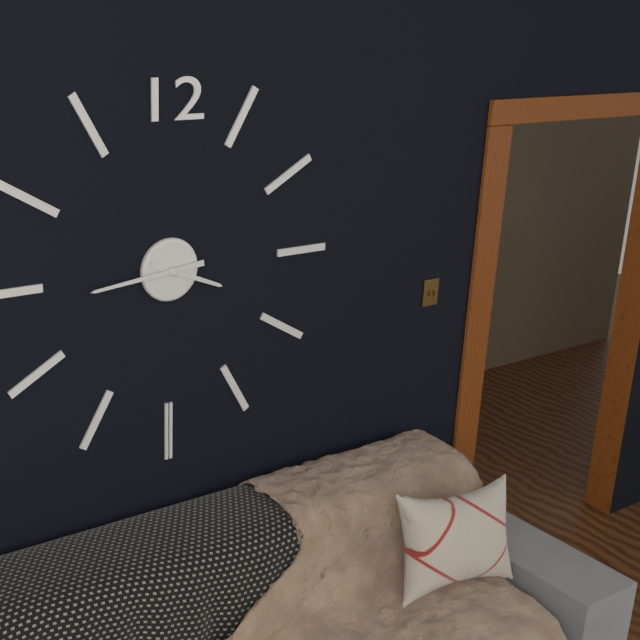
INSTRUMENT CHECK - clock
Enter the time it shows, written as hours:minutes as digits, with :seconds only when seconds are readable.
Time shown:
3:44
